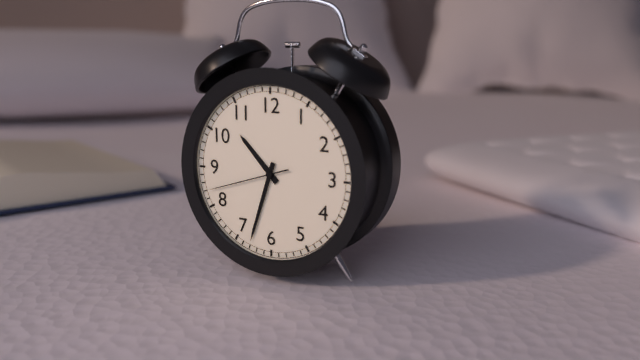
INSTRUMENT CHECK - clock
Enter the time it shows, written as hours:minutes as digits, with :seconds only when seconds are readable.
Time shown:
10:33:42
